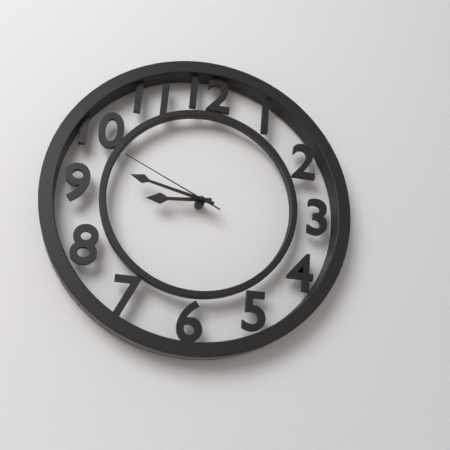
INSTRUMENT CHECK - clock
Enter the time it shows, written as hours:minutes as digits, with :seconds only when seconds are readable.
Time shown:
8:47:49
